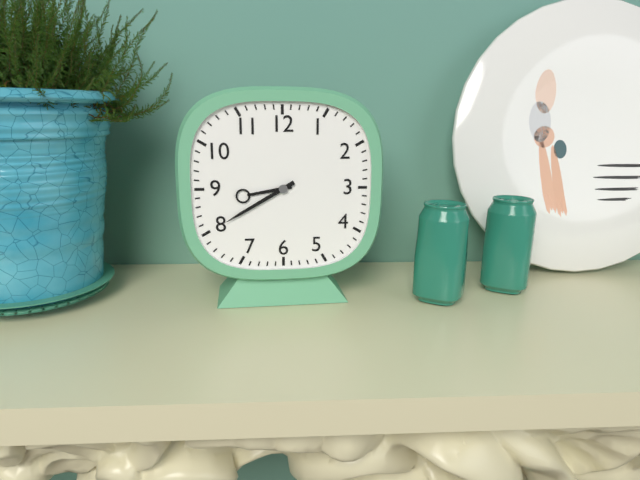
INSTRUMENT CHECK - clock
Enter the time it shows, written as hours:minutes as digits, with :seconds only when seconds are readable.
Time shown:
8:40
